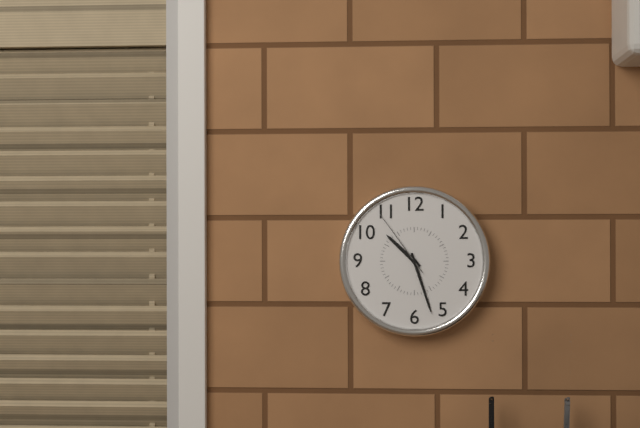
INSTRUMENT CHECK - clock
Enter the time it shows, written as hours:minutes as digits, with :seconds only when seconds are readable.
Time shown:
10:27:54
